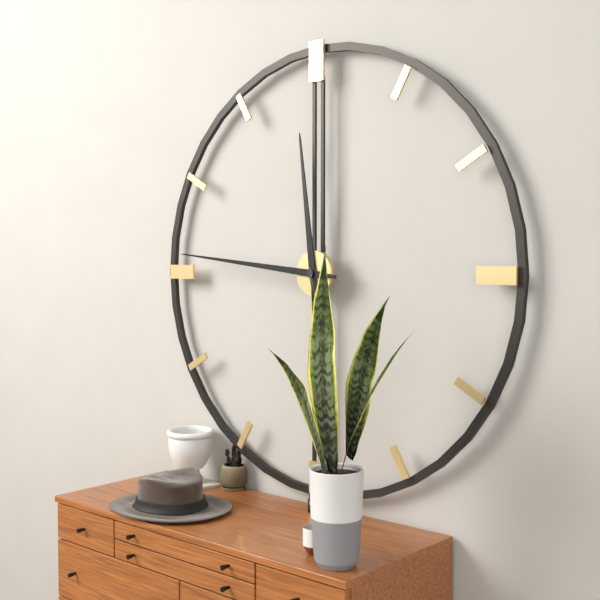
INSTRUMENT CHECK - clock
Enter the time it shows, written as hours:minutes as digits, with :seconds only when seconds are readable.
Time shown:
11:46
